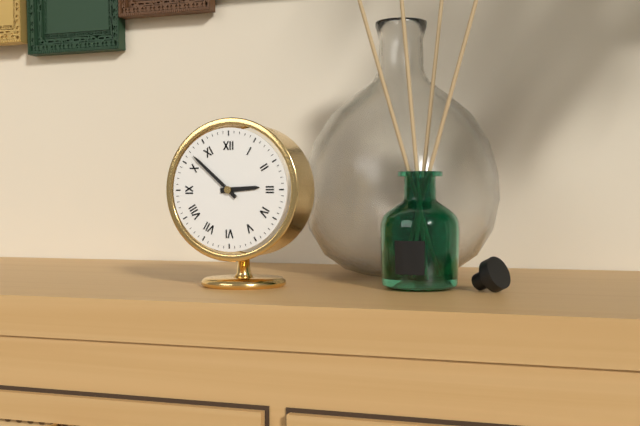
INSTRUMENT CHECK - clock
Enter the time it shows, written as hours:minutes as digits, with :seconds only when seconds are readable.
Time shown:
2:52
